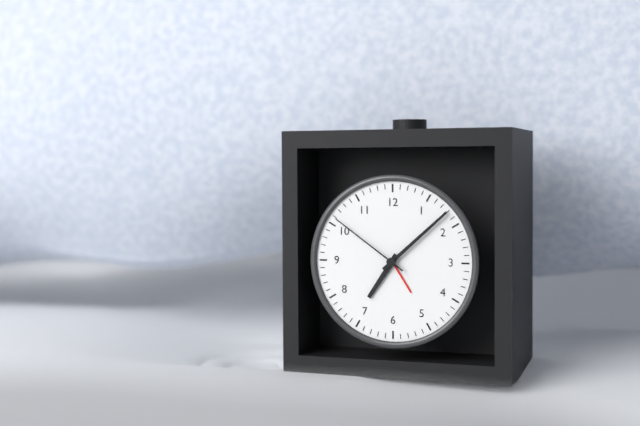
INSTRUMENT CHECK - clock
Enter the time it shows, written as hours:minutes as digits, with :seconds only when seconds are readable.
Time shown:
7:08:51
